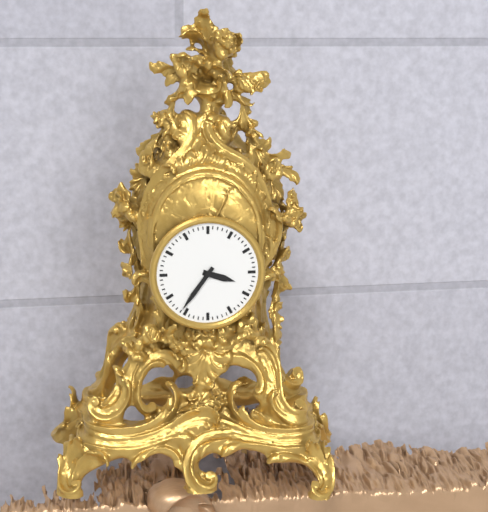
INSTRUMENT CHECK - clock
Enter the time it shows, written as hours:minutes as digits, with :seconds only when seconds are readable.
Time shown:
3:36
